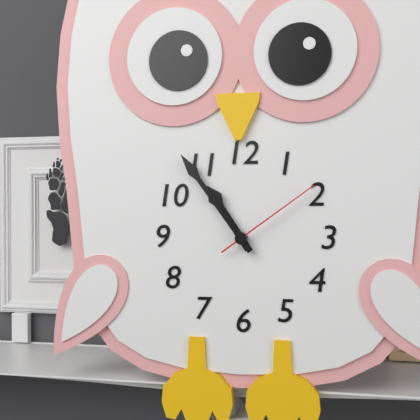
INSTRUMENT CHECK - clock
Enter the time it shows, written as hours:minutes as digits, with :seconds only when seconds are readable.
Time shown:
10:54:09
